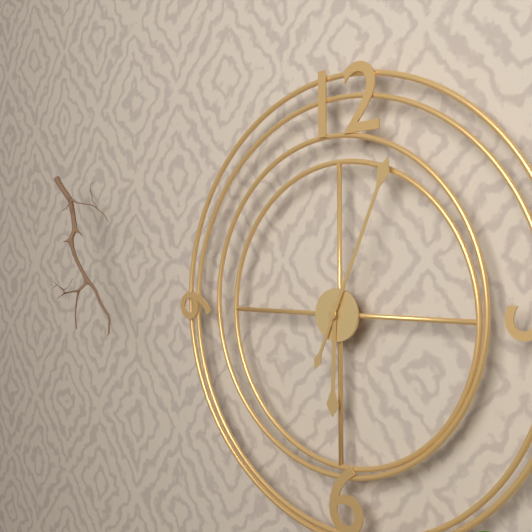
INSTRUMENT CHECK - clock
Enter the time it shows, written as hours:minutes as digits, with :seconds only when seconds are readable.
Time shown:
6:04
